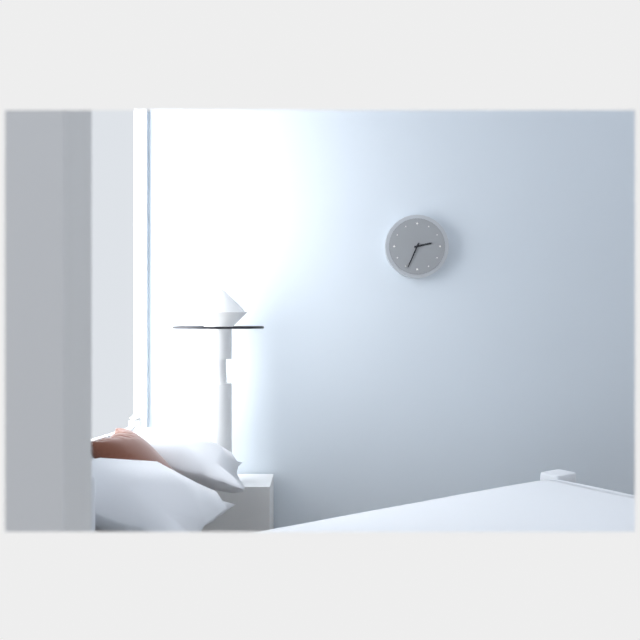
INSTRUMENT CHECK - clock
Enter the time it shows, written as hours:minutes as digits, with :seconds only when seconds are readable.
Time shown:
2:34
